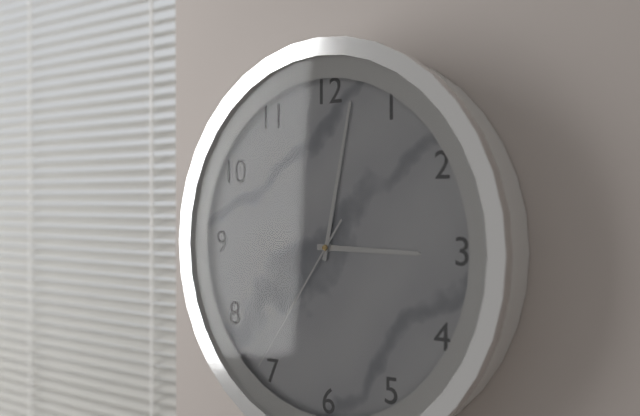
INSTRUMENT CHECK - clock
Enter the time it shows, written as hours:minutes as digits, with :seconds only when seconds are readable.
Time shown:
3:02:36
